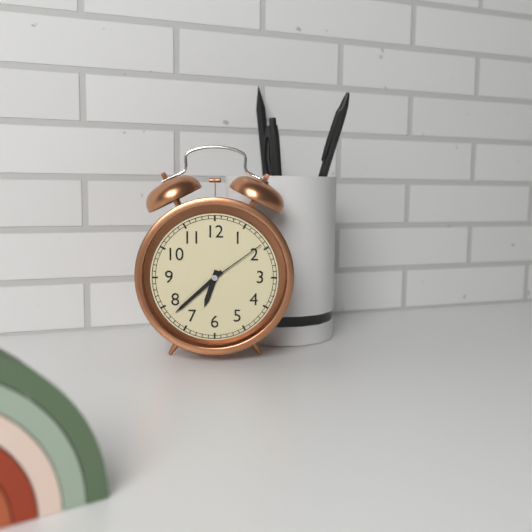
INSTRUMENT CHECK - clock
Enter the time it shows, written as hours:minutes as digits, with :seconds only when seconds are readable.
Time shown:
6:38:09
